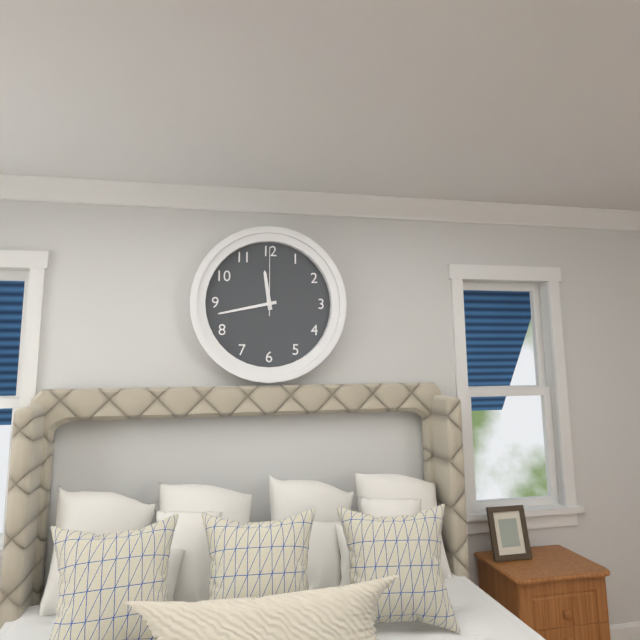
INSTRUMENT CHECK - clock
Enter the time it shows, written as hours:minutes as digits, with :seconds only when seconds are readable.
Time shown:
11:43:00
